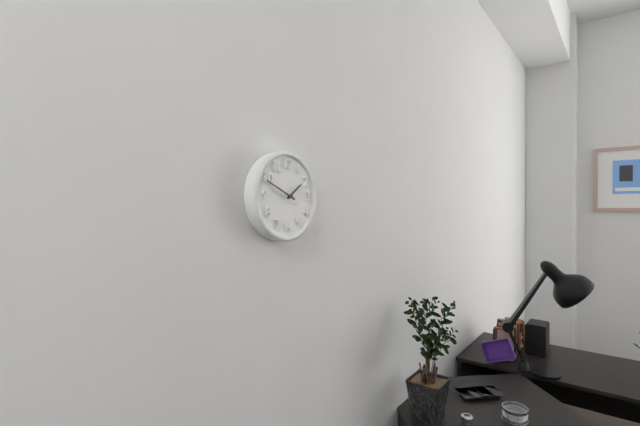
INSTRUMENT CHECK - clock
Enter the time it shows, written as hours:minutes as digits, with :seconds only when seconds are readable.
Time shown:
1:49
